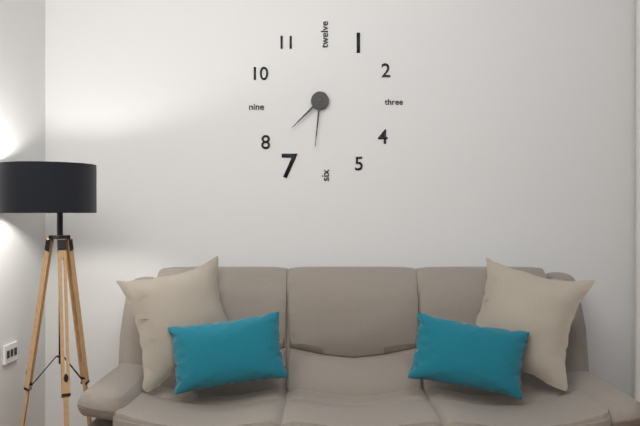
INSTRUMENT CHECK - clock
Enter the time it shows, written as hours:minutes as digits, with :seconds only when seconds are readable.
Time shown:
7:31
